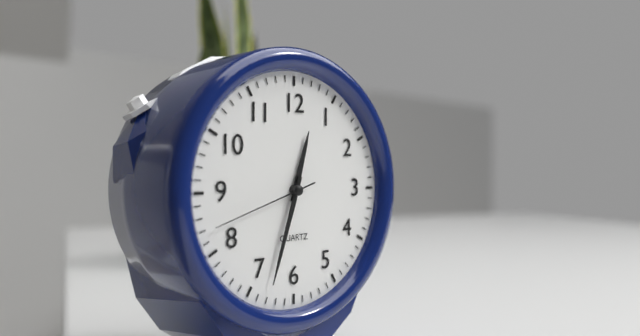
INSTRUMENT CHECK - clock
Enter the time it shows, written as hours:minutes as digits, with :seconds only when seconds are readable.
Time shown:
12:33:42
